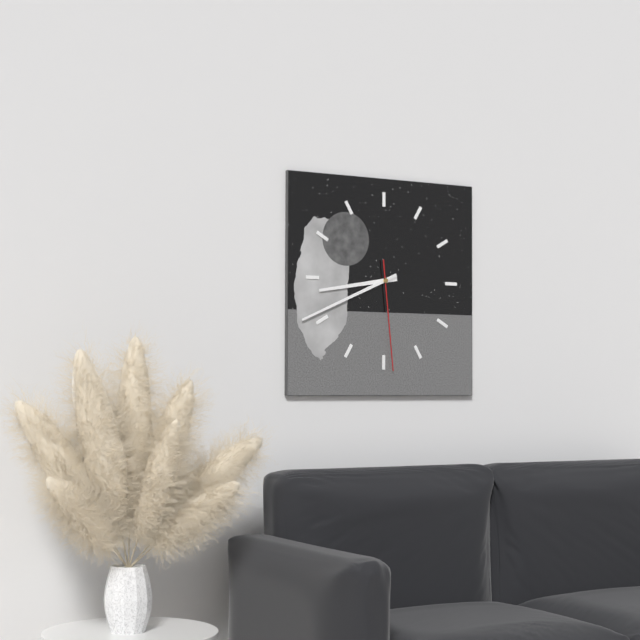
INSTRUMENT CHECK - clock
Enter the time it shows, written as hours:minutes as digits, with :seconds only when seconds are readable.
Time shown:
8:41:29
